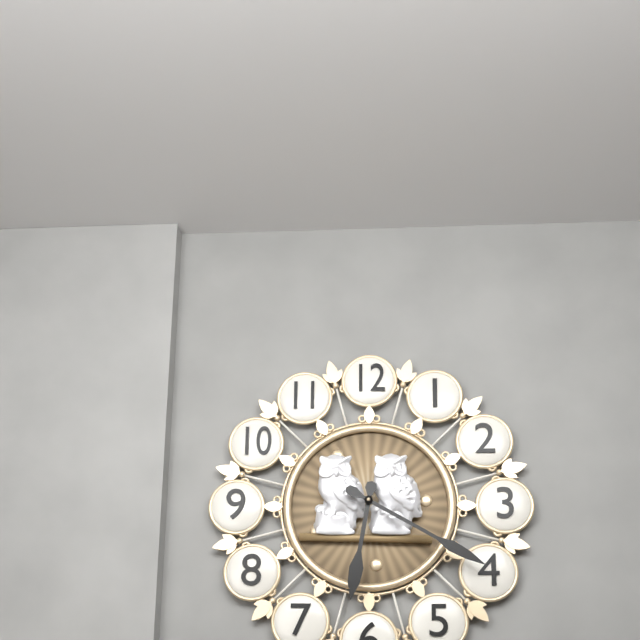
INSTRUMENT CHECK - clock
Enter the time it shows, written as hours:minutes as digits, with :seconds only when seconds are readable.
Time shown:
6:20
